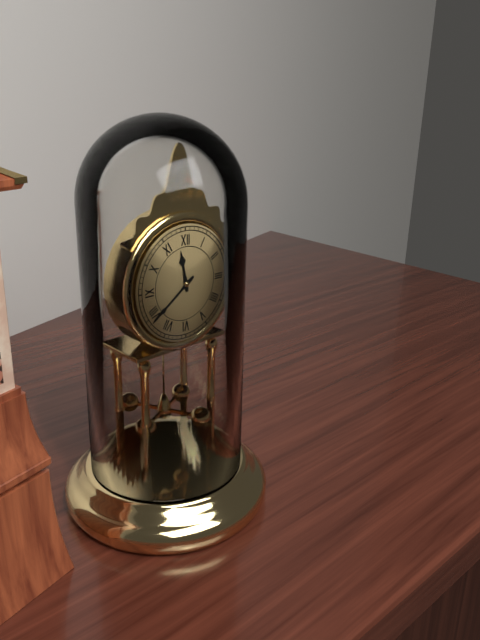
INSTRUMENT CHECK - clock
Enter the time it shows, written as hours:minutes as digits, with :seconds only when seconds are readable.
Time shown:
11:39
